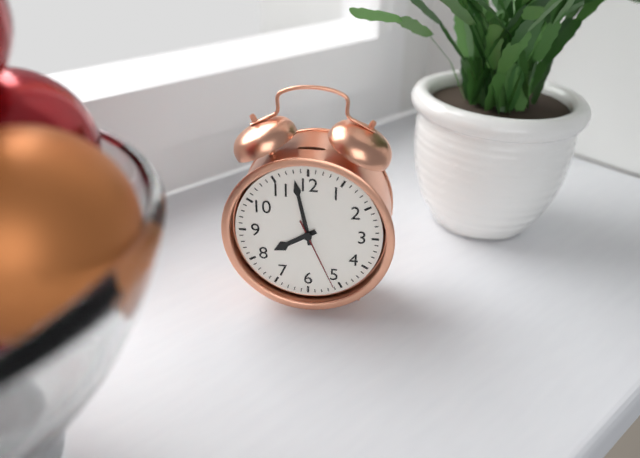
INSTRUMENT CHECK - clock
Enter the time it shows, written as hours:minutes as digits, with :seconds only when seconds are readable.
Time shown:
7:58:26
